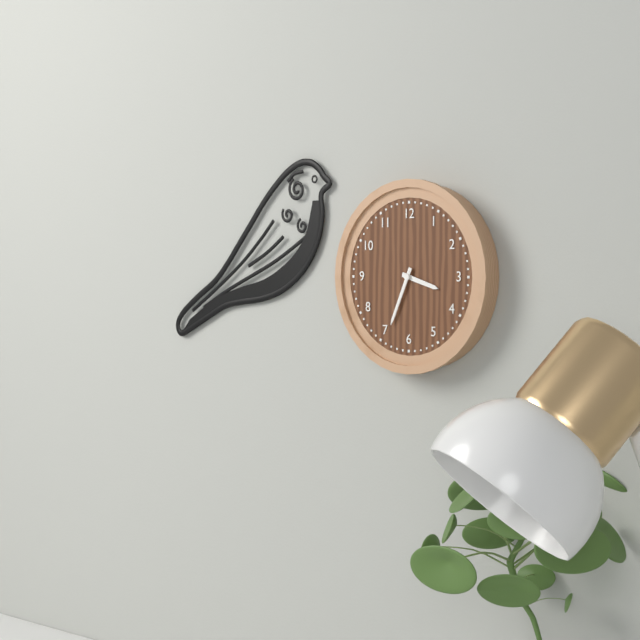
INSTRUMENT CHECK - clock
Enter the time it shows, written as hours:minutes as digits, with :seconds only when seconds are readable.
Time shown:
3:34
